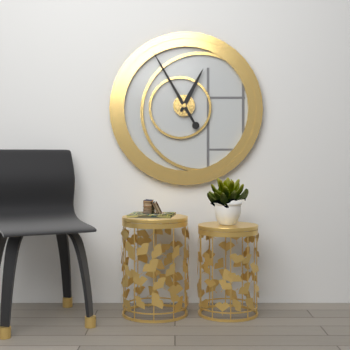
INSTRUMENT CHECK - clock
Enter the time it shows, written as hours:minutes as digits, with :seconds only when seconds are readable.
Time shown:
12:55
